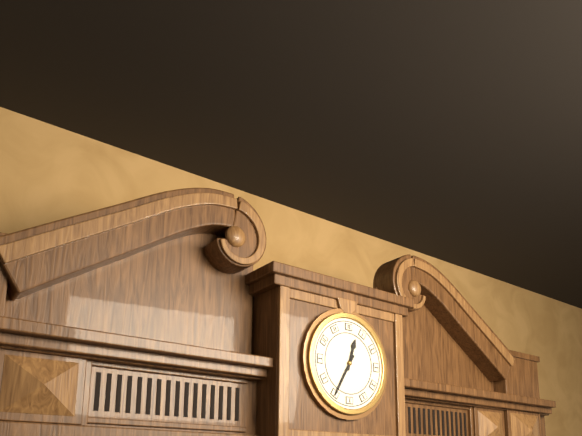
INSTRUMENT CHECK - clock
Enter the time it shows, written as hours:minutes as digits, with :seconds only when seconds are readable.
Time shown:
12:35
